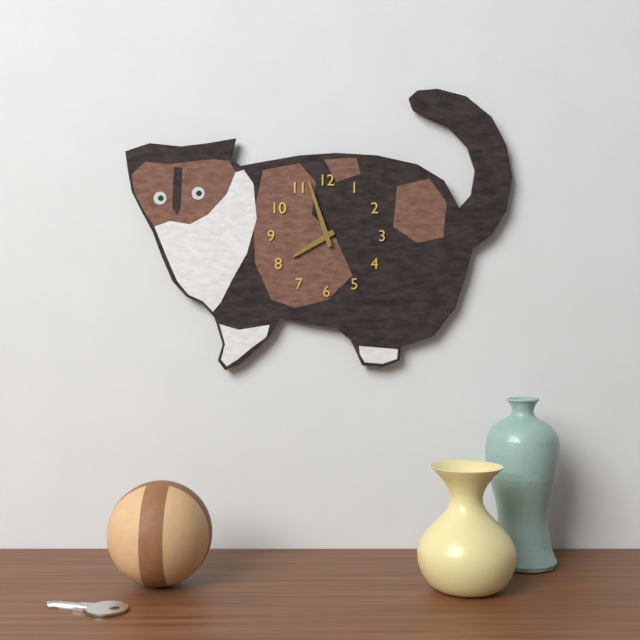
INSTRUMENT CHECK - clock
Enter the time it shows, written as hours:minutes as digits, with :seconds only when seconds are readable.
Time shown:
7:57
